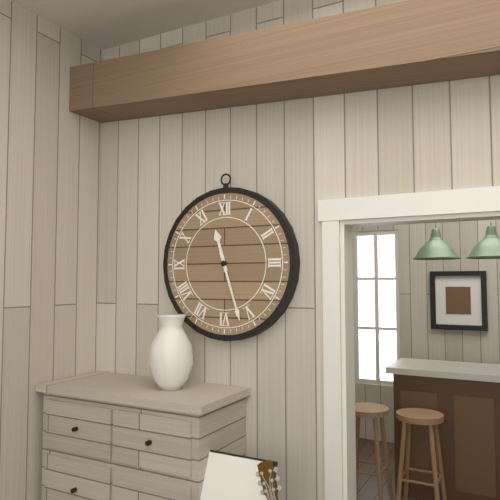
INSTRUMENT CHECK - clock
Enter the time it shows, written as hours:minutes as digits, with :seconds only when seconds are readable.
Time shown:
11:27
